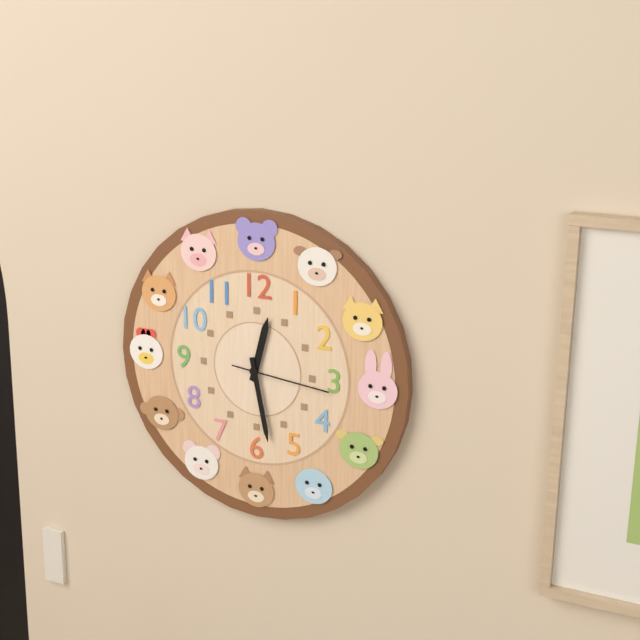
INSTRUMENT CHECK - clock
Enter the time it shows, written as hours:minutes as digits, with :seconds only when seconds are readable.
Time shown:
12:28:16
